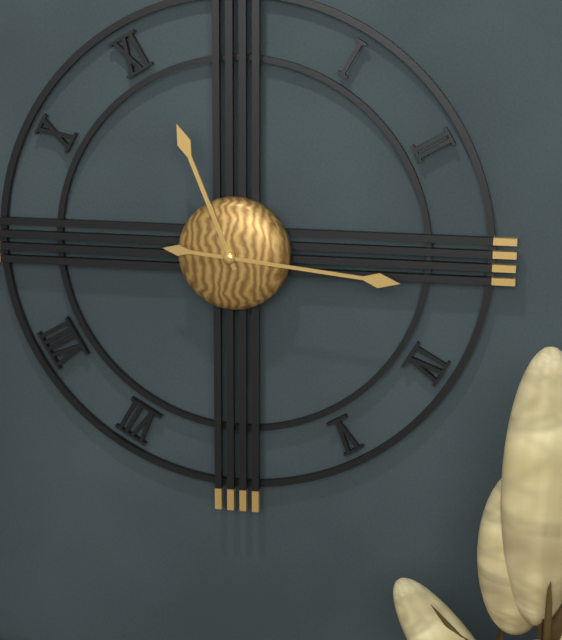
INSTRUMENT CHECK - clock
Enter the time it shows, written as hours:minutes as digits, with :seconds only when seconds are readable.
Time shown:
11:16
